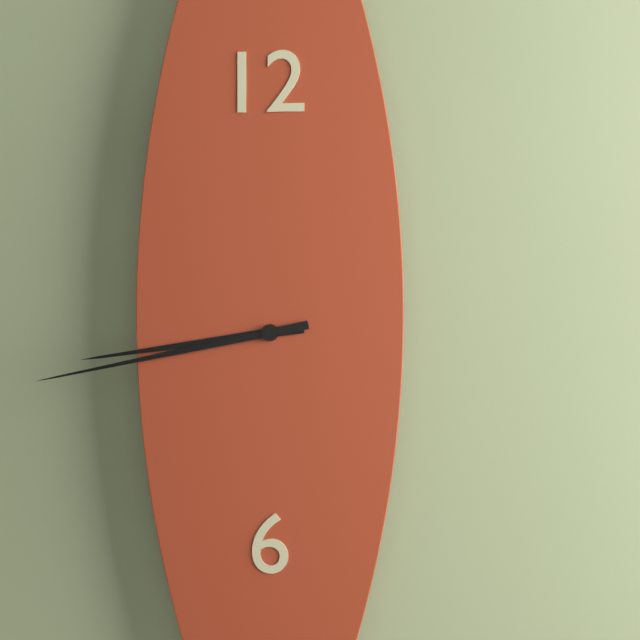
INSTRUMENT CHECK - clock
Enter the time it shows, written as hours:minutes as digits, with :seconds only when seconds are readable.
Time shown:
8:43
